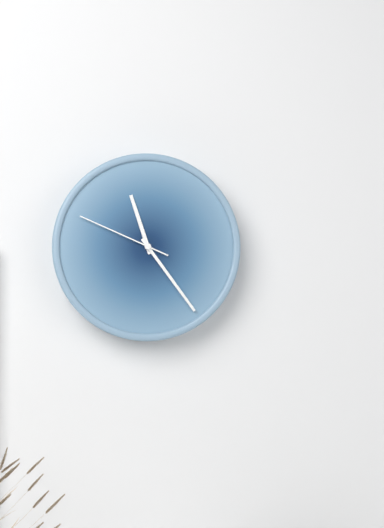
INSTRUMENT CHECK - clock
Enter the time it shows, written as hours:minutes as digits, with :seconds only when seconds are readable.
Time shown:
11:24:49
